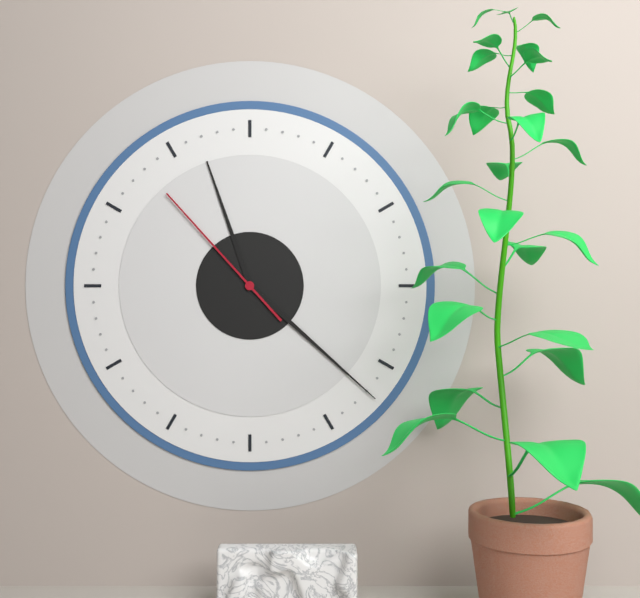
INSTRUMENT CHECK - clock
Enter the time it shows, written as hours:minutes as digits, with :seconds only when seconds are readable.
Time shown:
11:22:53
